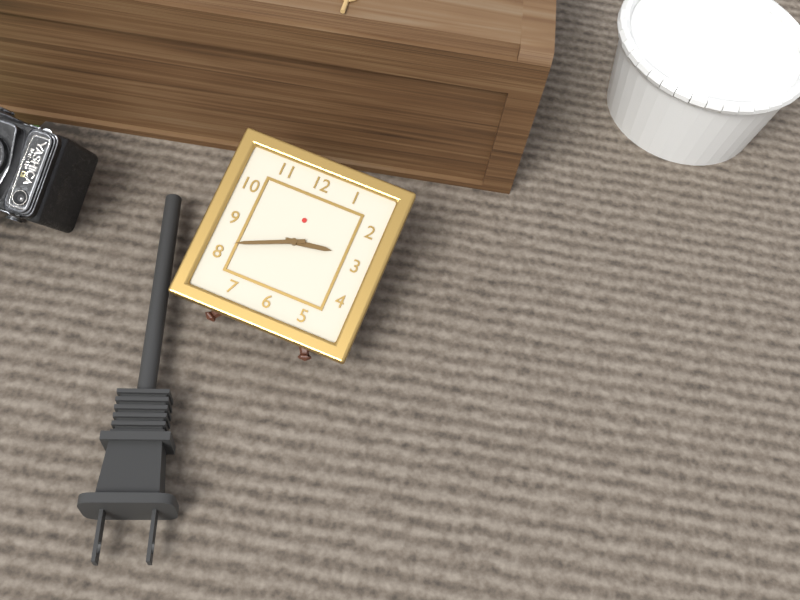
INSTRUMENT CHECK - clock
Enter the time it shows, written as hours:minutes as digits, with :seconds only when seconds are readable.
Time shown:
2:41
